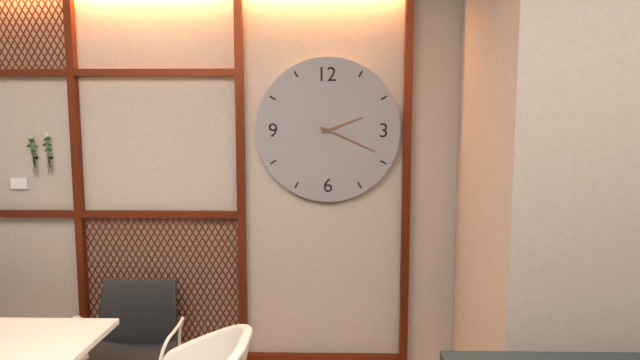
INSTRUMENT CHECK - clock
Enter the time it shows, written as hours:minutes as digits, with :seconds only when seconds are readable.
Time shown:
2:19
